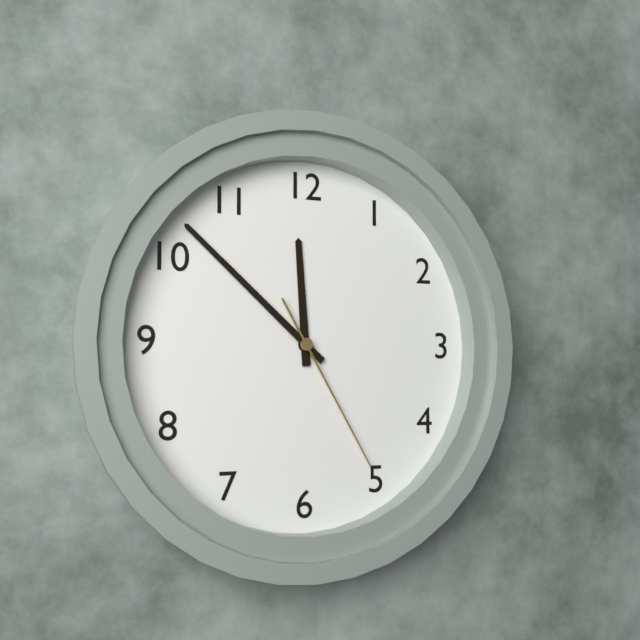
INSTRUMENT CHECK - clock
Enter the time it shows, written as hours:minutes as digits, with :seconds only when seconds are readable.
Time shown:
11:52:25
